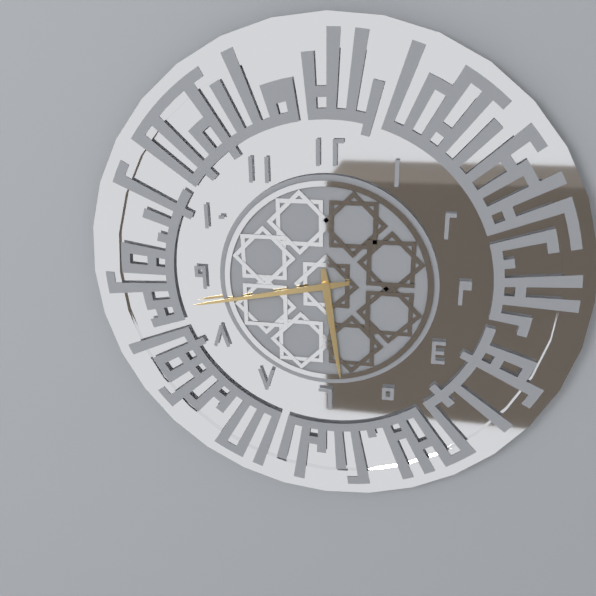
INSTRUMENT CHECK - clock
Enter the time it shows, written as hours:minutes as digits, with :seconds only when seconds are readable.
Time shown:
5:43
